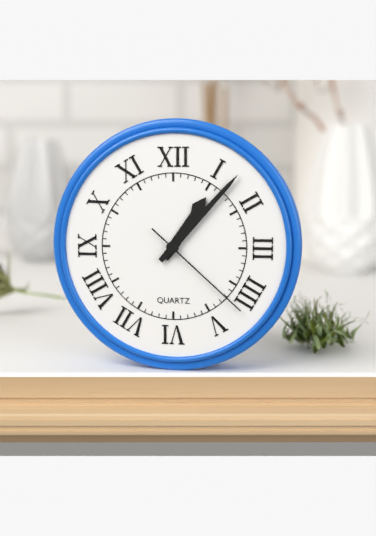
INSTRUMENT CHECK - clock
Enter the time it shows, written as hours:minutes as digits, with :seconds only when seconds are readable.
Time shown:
1:07:22
